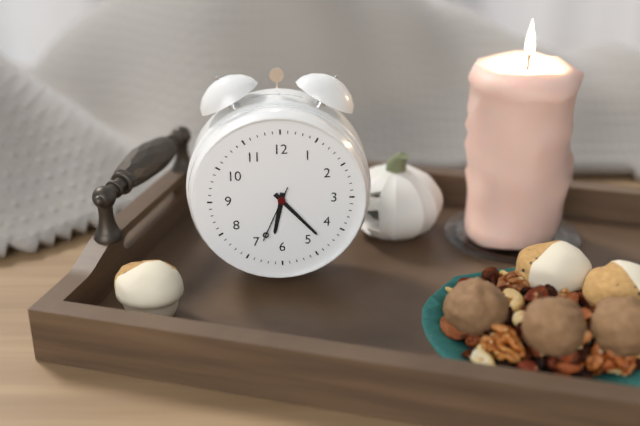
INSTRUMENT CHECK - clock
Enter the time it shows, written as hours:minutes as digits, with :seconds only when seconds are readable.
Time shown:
6:23:34
